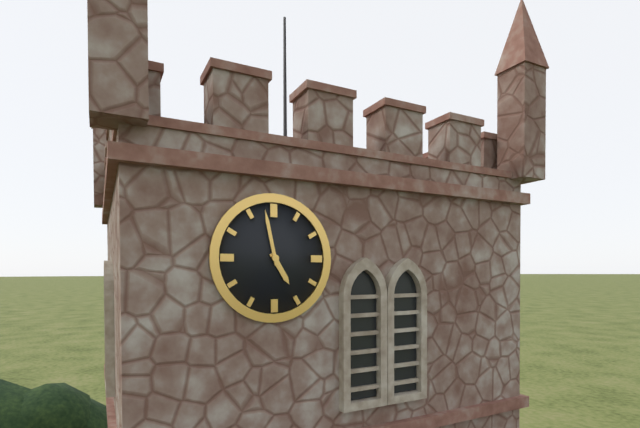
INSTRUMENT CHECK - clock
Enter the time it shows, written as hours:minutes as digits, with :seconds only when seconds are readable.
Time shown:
4:58
